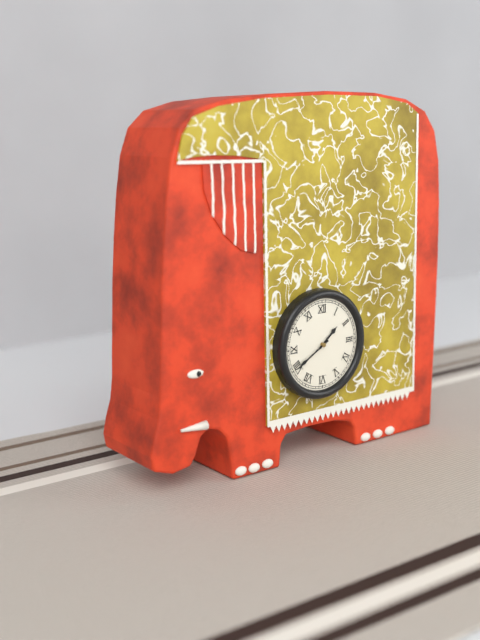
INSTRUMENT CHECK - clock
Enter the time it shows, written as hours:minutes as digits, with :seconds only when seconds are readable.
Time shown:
1:40
